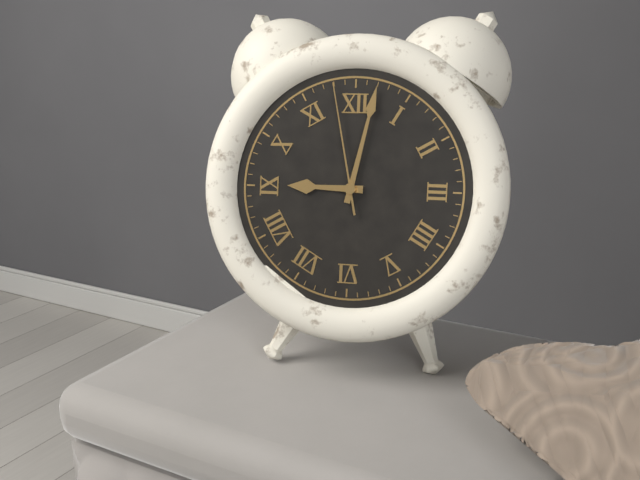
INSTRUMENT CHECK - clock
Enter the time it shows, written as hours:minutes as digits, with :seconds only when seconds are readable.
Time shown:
9:02:58
